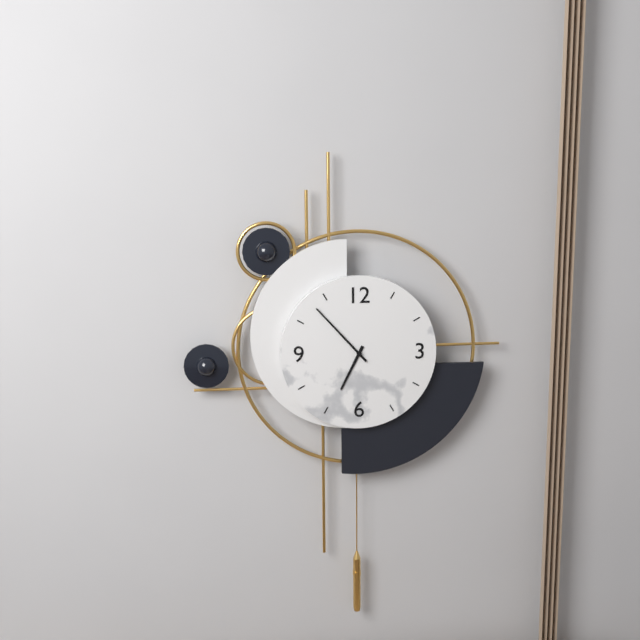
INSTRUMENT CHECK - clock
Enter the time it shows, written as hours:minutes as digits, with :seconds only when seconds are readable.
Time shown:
6:53
